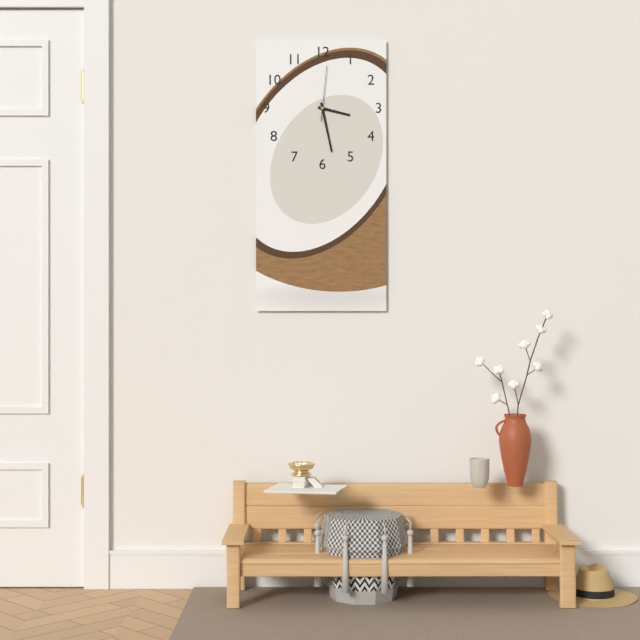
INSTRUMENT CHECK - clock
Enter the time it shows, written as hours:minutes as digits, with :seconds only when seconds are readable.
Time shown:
3:28:01
